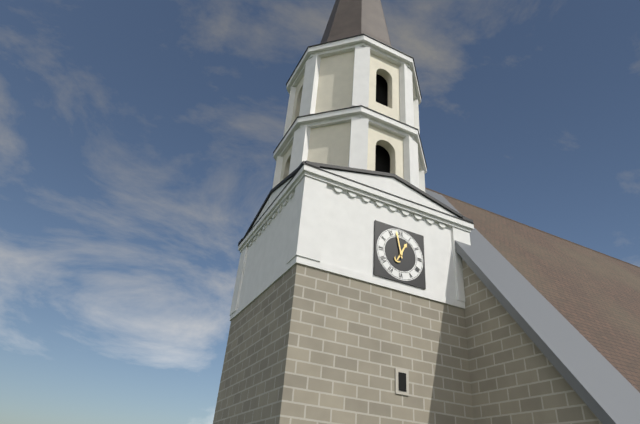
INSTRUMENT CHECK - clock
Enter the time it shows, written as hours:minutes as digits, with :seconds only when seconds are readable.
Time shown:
12:58
